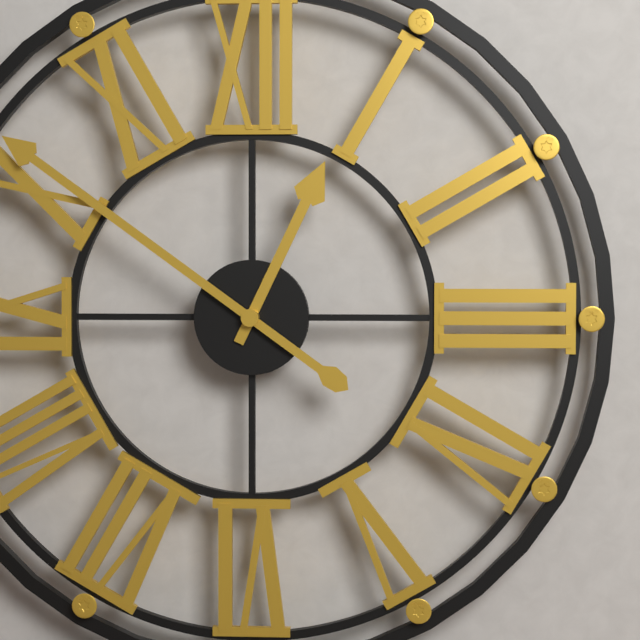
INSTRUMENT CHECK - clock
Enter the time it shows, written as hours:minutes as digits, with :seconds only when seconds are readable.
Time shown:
12:51
